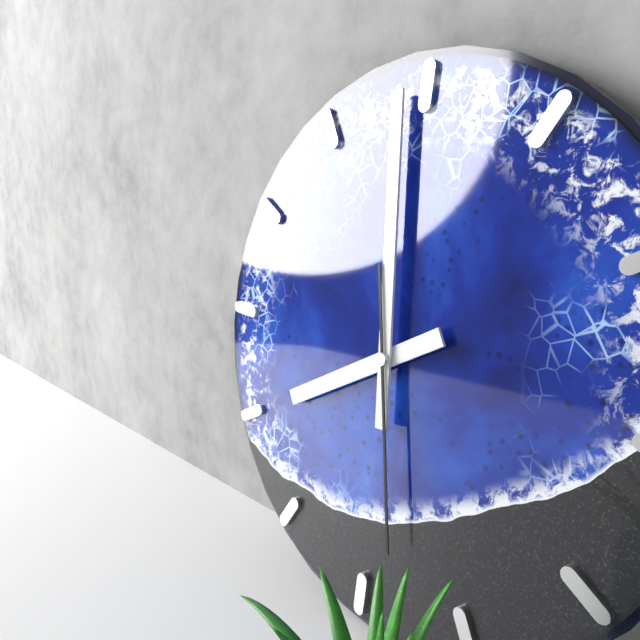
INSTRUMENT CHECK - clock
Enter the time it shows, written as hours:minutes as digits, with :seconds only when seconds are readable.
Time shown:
7:59:28
